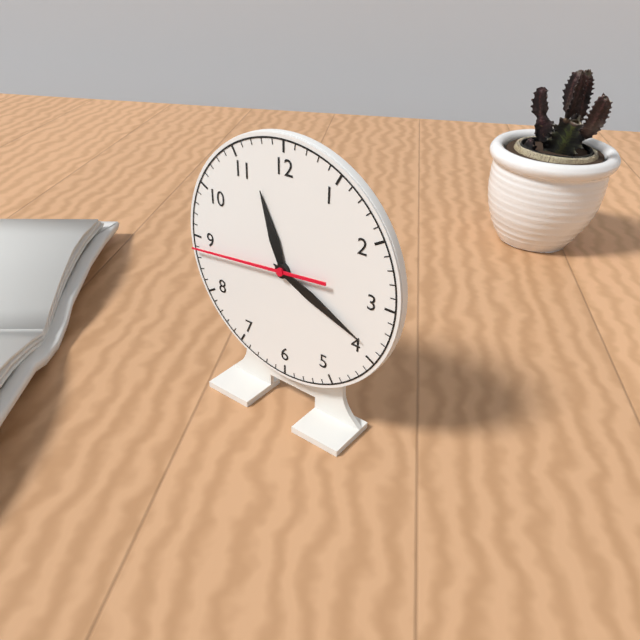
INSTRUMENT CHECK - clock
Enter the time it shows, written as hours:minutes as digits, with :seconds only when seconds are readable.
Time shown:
11:19:44
